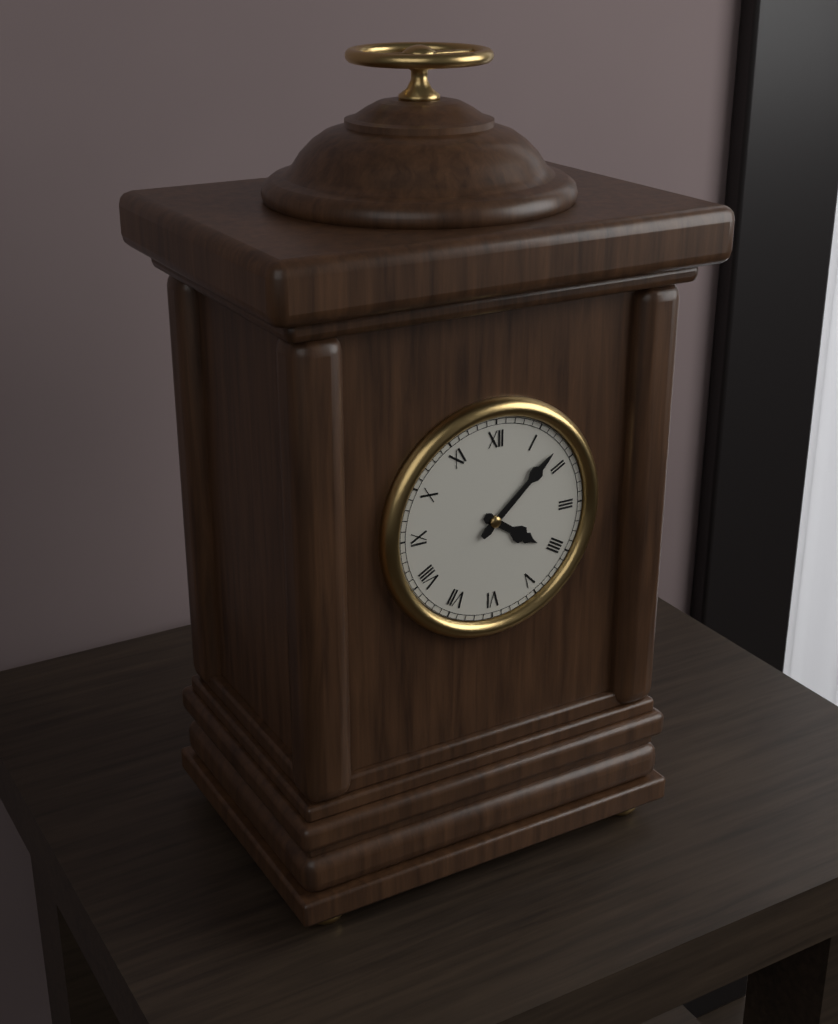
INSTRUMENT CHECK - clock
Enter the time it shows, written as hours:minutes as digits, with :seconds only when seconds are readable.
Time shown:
4:08
